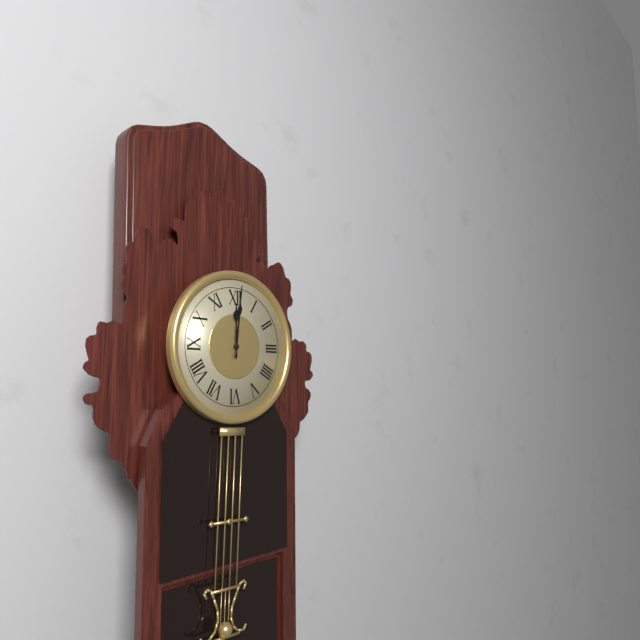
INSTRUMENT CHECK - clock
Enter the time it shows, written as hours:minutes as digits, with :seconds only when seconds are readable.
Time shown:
12:01
